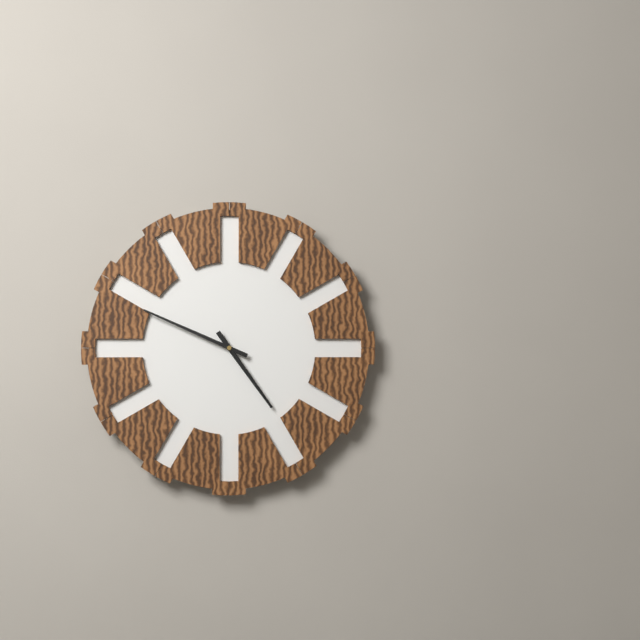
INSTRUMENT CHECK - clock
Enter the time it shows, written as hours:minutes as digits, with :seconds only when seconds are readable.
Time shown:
4:49
